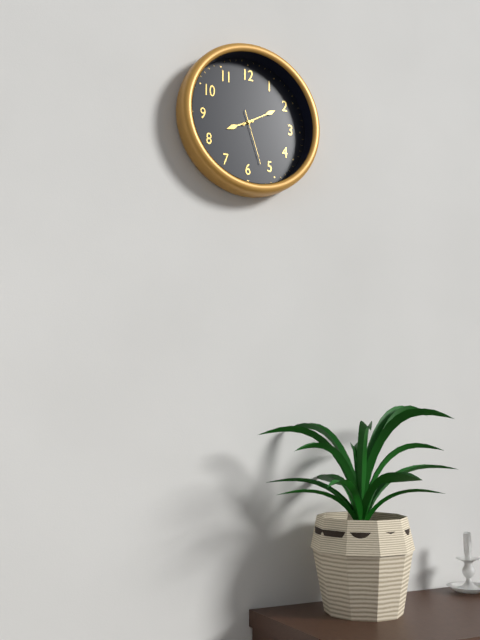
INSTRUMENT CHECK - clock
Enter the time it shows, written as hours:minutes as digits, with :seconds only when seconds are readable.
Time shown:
8:10:27
